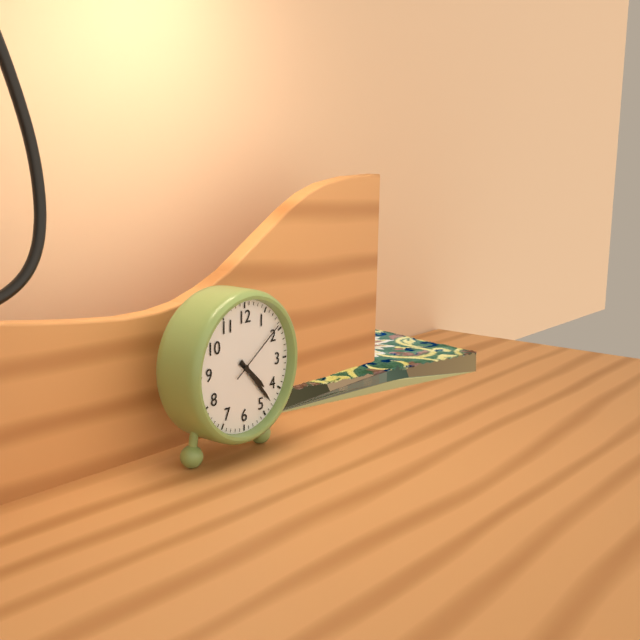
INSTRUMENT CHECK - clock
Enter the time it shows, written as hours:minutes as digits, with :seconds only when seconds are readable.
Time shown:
4:23:09
